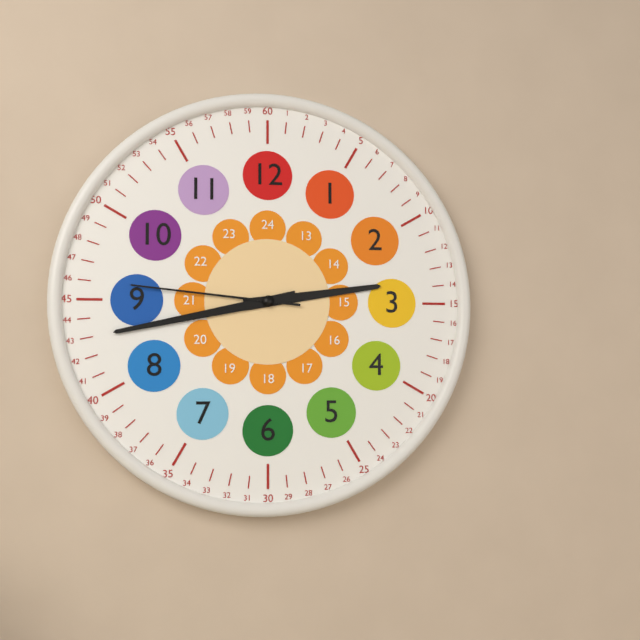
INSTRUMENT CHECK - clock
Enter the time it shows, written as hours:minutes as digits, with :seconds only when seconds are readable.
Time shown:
2:43:46
